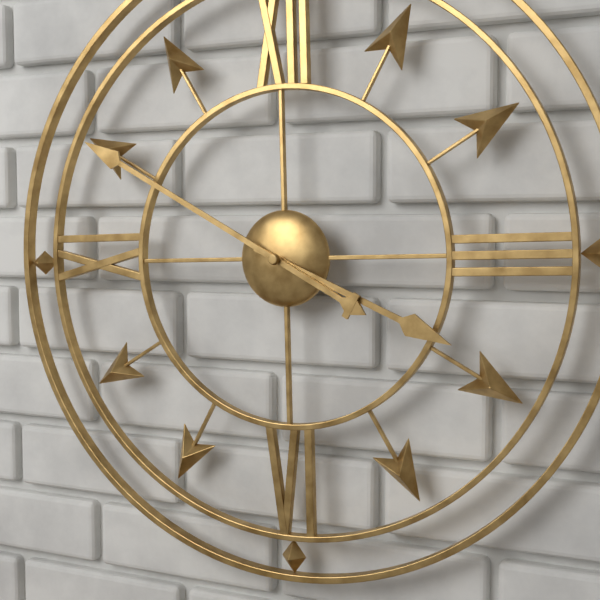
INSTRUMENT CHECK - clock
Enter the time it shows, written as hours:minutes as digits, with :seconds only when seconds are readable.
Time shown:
3:50
